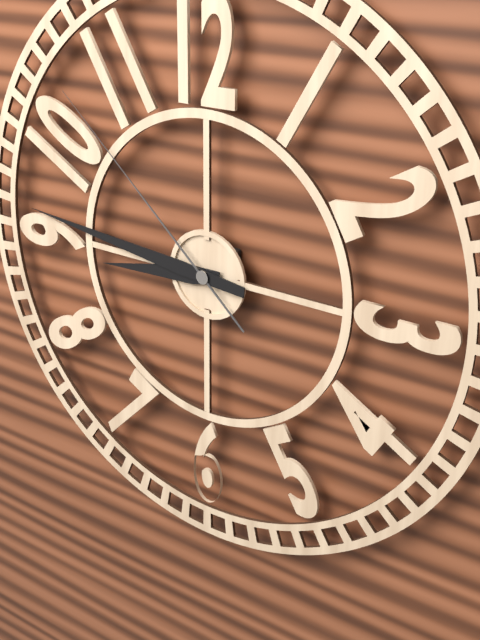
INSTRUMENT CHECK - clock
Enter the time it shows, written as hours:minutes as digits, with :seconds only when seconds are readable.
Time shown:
8:46:52
